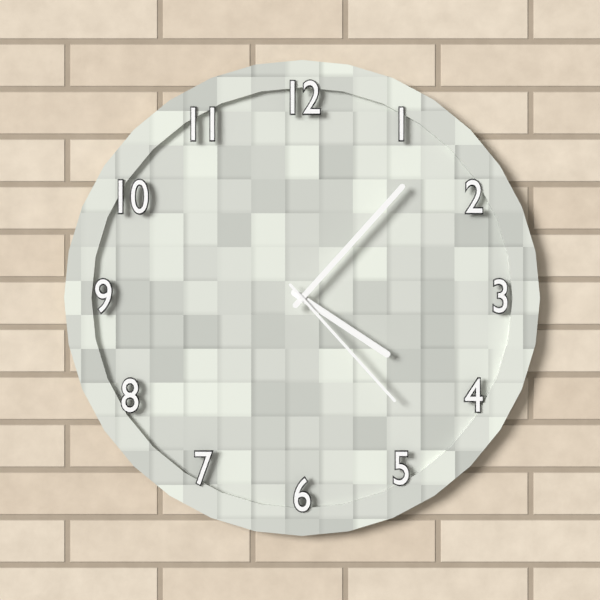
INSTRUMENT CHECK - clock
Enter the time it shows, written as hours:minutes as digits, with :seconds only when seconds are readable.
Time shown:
4:07:23
